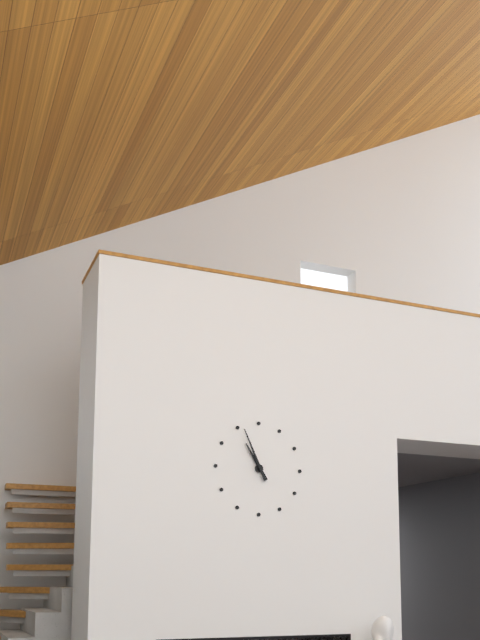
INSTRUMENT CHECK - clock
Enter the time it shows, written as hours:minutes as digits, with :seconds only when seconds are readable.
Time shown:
10:56
